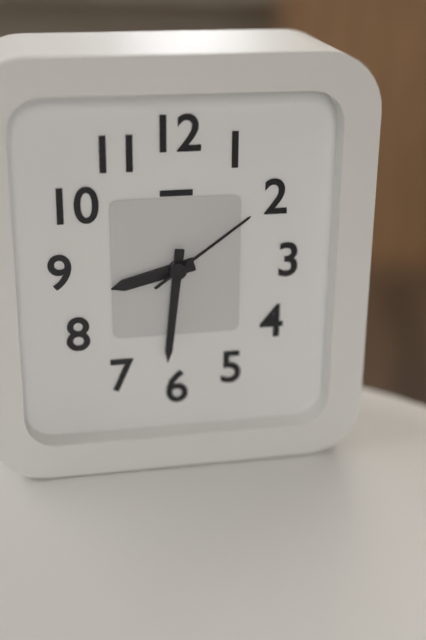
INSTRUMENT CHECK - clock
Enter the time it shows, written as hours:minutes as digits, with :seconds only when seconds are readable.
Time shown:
8:31:09
